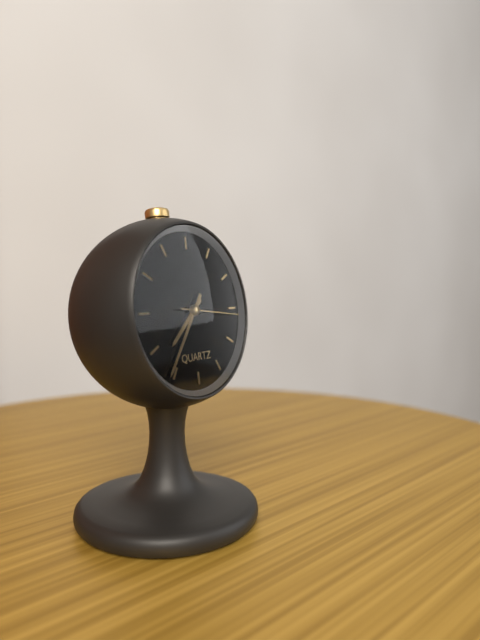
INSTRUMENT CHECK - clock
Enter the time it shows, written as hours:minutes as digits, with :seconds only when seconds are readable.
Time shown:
7:36:16
